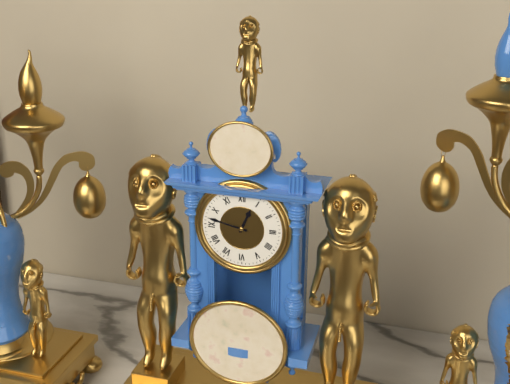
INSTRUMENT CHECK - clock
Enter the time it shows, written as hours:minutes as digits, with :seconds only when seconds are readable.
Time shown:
12:47
